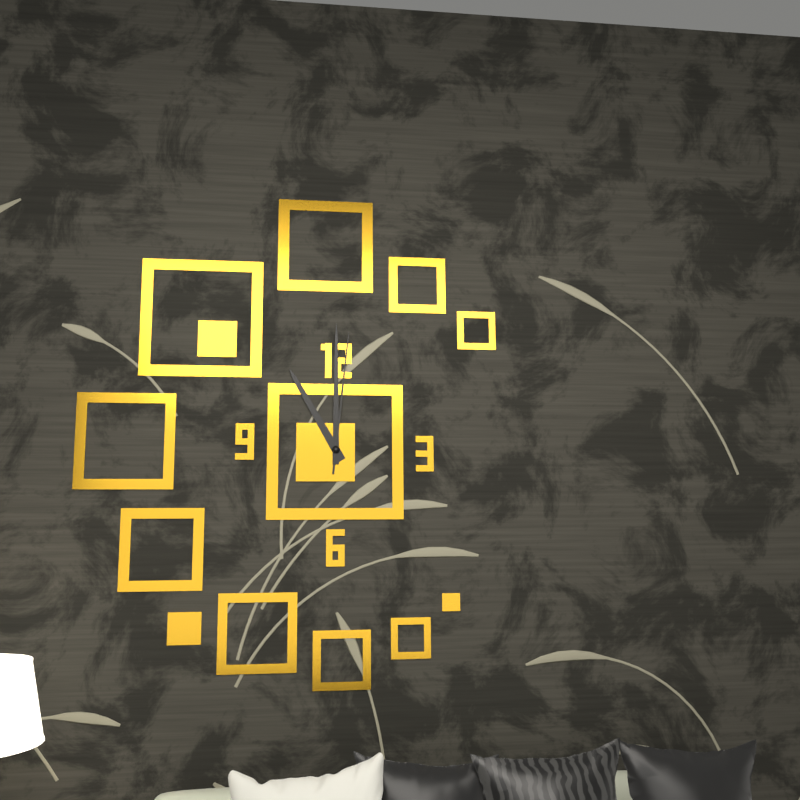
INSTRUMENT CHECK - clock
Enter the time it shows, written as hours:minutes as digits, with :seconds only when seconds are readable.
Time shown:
11:00:01
